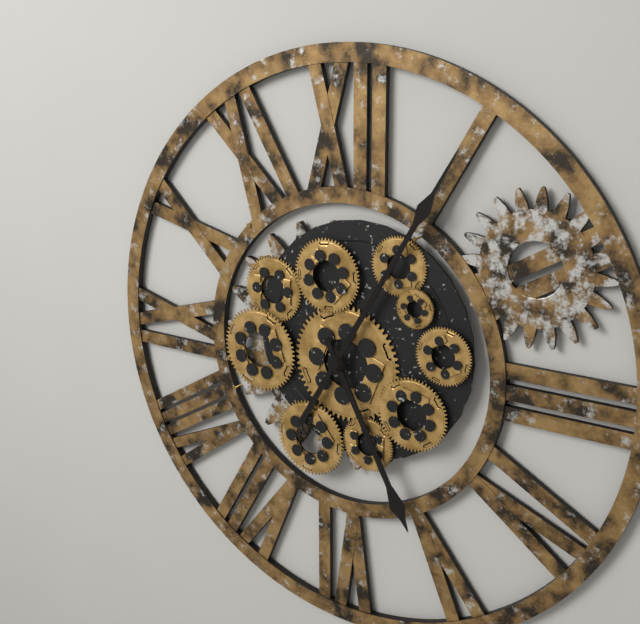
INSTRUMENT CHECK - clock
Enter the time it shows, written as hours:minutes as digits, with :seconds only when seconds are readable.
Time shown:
5:05
